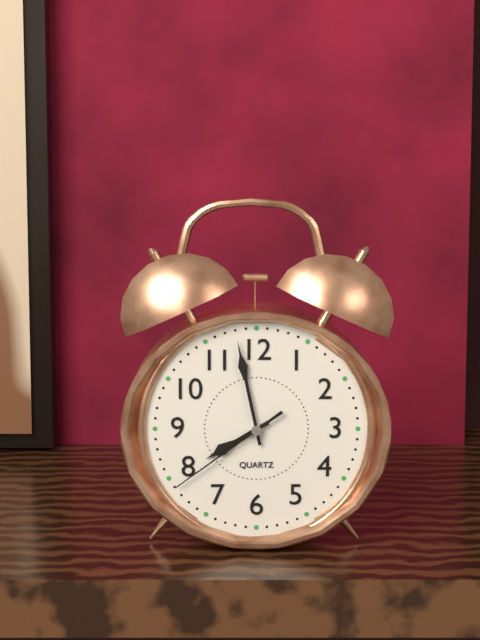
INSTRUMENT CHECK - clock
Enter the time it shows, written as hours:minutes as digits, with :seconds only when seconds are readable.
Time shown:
7:58:39
